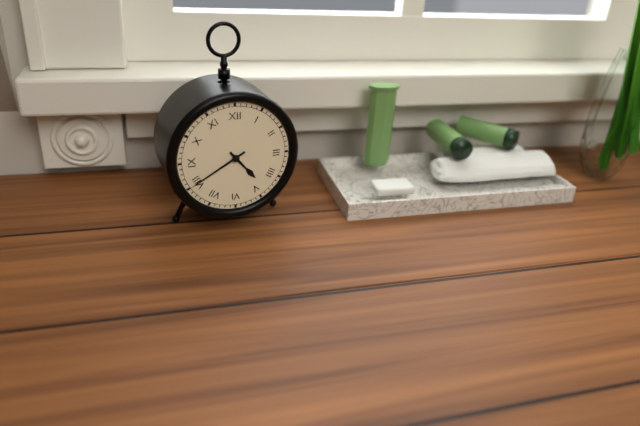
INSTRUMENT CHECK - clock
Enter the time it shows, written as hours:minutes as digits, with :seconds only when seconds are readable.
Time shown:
4:40
